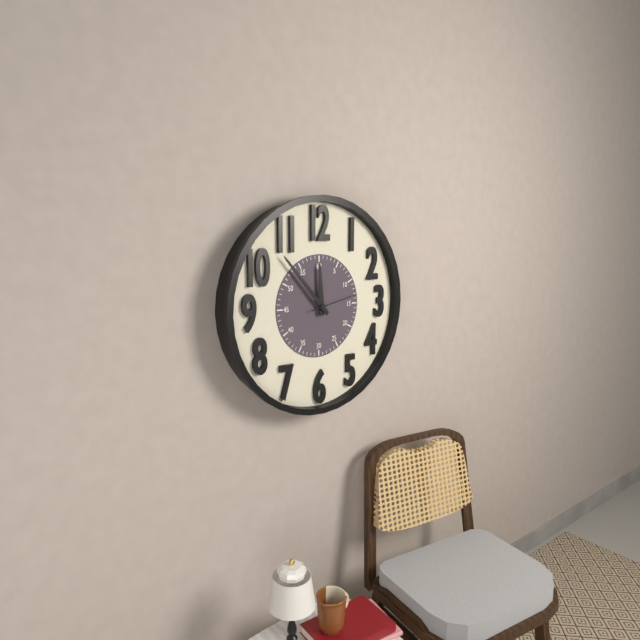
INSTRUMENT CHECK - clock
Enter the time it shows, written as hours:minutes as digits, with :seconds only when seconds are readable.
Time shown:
11:53:13
